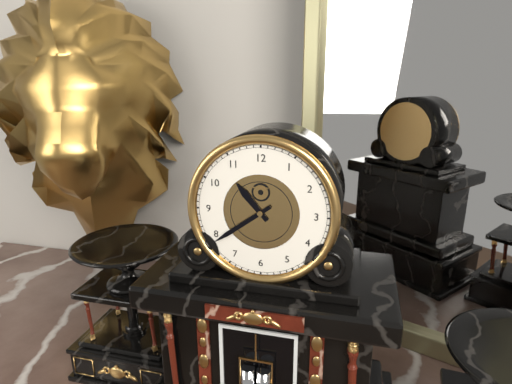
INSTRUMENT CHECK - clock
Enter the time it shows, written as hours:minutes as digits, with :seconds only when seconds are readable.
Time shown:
10:39
